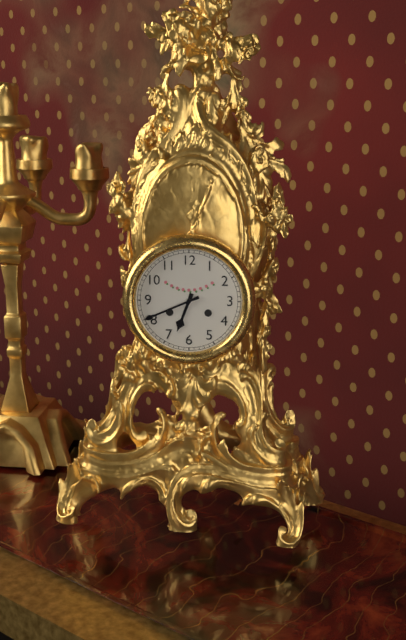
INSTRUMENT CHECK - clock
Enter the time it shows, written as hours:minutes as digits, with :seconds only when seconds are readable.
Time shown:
6:41
